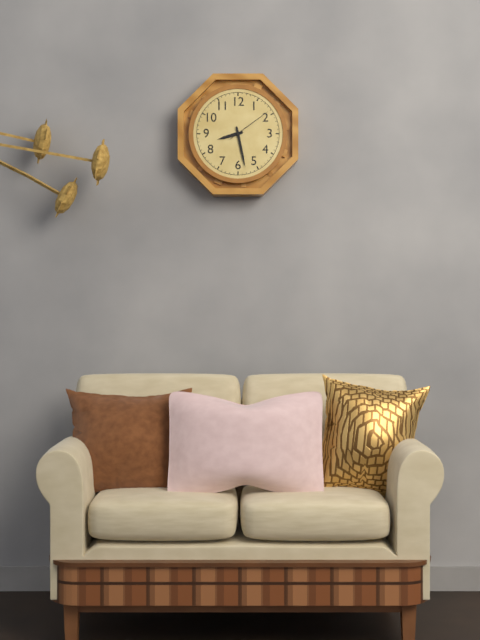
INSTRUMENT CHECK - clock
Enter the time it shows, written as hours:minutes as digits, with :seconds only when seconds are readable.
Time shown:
8:28
